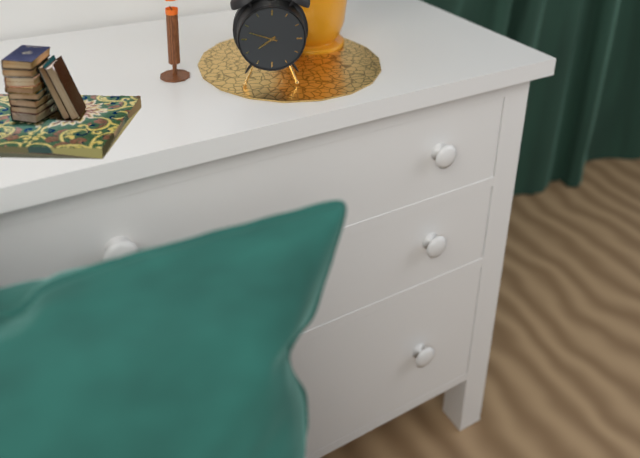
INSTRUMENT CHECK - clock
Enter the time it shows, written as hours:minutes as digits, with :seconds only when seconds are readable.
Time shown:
7:48
